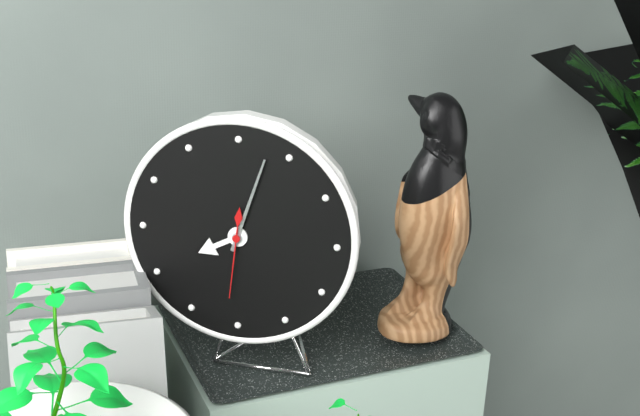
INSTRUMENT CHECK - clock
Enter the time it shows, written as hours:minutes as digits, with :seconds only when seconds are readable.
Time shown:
8:03:31
